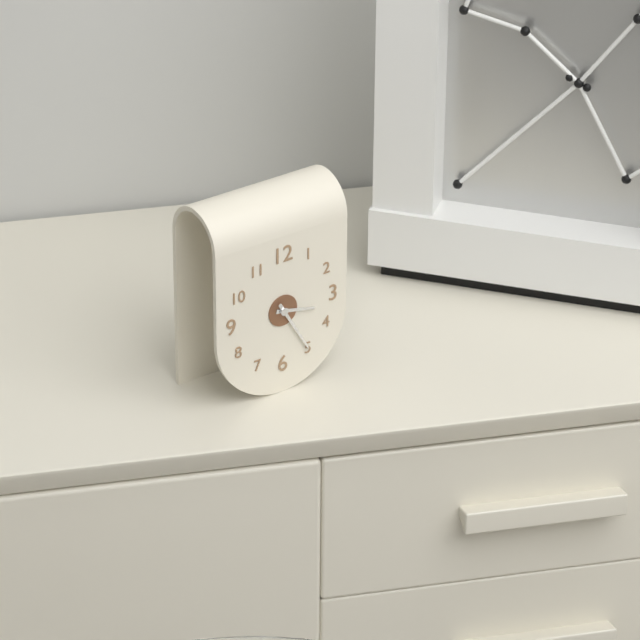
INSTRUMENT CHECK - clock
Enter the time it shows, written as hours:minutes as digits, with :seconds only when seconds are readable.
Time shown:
3:25
